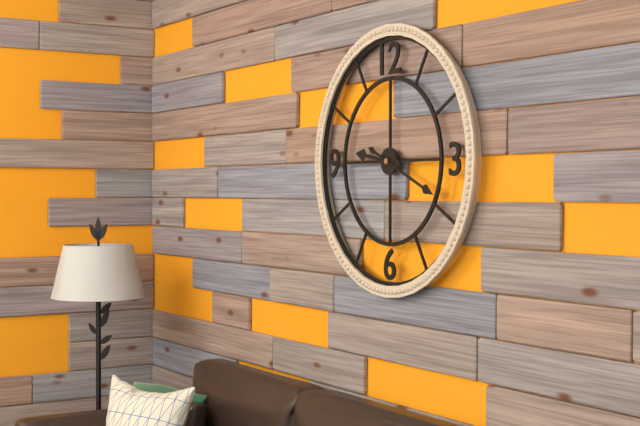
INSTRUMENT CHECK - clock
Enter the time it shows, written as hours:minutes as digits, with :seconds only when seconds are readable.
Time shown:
9:19
